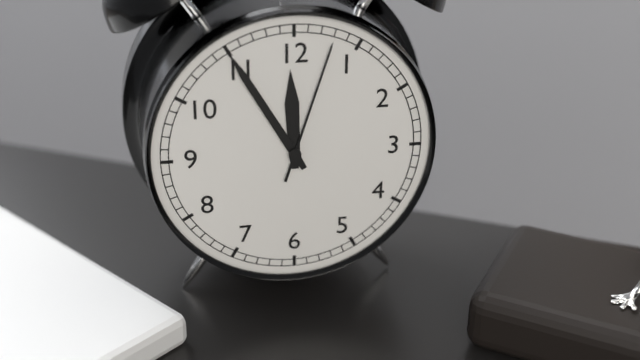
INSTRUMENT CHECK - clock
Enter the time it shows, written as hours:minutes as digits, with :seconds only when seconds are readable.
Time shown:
11:55:03
